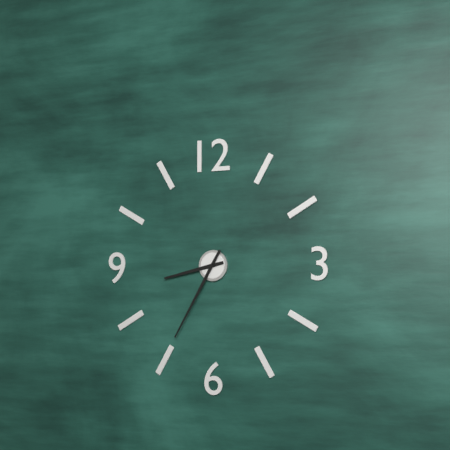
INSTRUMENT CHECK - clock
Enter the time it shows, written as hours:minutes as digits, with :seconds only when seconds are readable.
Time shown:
8:35
